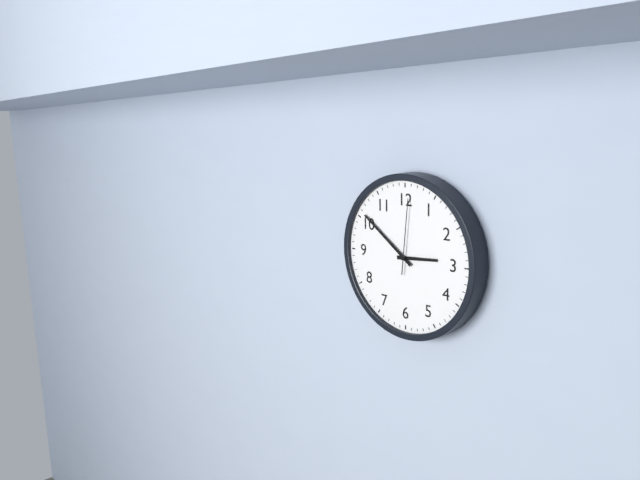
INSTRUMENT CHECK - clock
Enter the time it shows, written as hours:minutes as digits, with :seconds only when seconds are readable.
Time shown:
2:51:01
